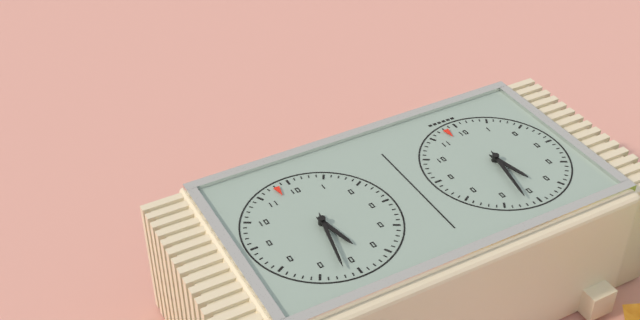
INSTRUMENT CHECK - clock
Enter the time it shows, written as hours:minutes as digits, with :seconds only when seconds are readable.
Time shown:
5:32
